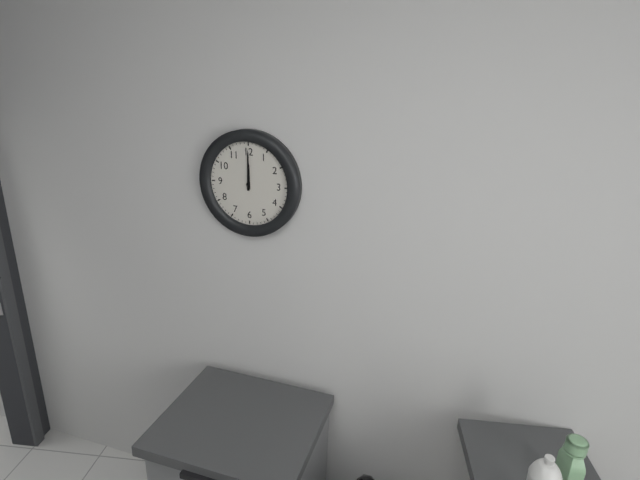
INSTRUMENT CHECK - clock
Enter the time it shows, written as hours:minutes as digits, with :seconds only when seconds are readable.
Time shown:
12:00
